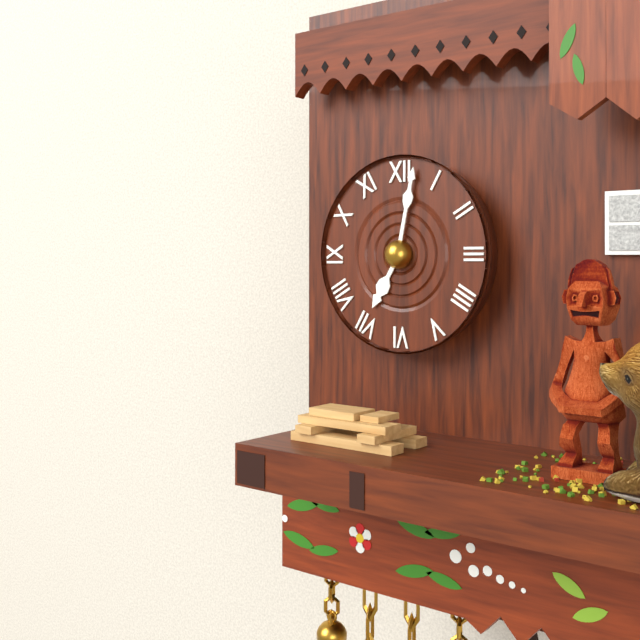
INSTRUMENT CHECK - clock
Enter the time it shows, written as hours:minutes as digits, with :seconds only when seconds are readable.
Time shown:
7:02
